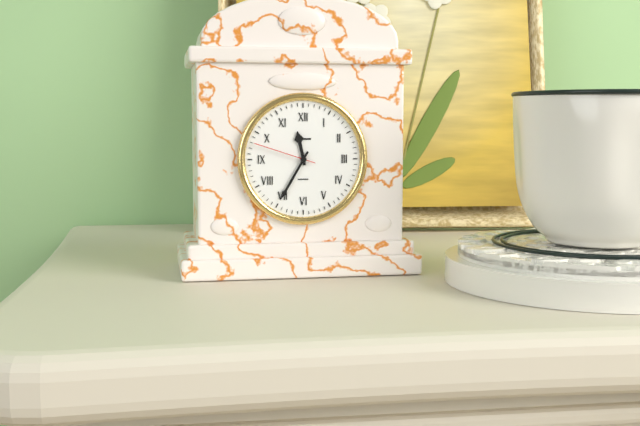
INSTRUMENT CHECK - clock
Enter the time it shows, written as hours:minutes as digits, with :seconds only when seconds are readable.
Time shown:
11:35:48
